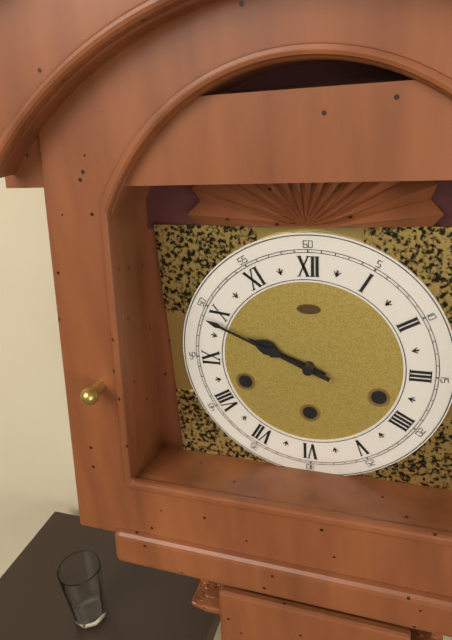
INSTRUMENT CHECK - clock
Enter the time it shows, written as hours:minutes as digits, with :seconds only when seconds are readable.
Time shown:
9:49
